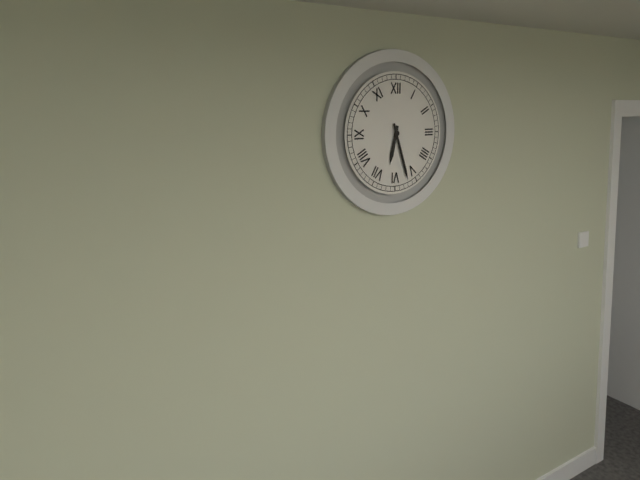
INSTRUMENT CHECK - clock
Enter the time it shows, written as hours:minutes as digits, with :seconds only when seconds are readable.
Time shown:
6:27
